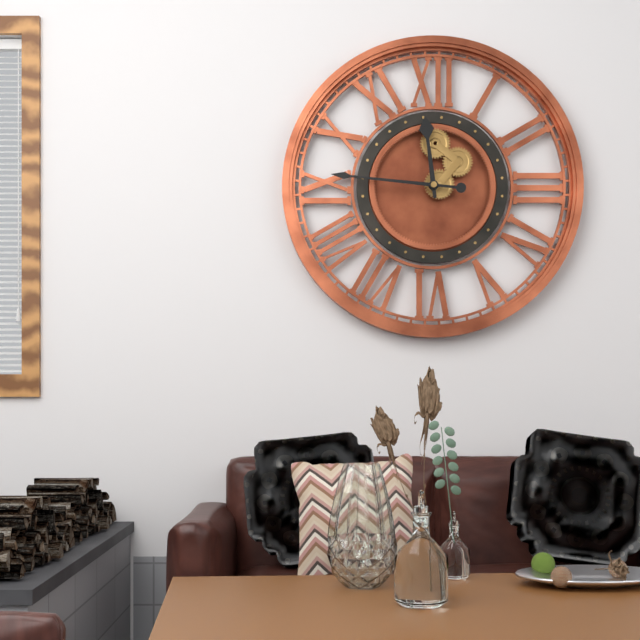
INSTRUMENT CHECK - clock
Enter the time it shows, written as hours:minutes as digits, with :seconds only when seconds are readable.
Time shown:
11:46
